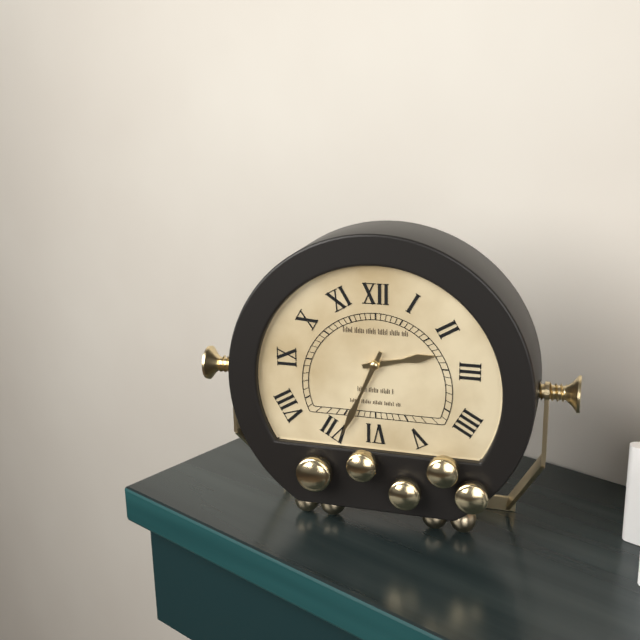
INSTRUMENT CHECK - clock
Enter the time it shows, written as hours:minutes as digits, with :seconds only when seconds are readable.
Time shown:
2:34
